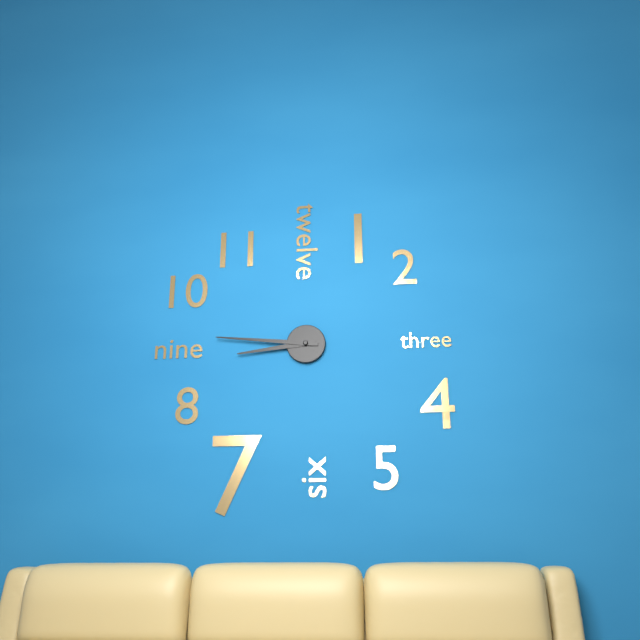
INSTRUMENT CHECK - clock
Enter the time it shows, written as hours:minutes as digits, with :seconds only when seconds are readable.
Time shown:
8:46
